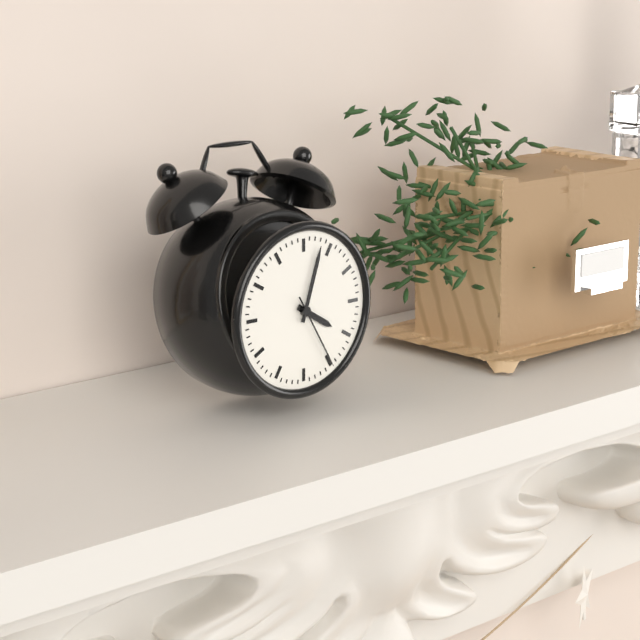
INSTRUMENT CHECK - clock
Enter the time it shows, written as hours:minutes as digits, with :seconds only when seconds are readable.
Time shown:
4:03:25
